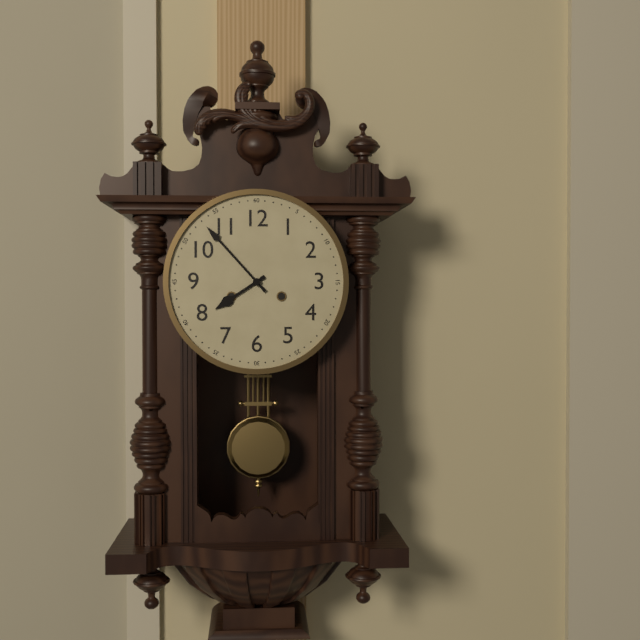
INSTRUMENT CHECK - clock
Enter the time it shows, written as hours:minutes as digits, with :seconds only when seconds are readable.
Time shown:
7:53
